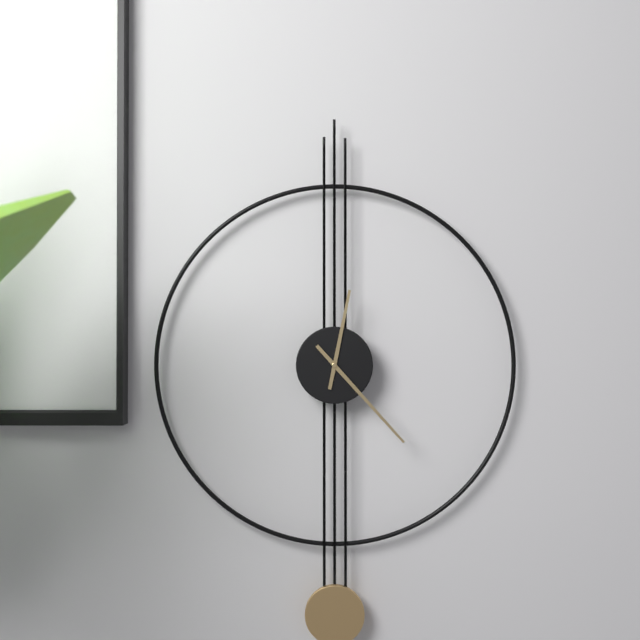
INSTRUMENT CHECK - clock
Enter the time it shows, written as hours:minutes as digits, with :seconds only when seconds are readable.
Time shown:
12:23
